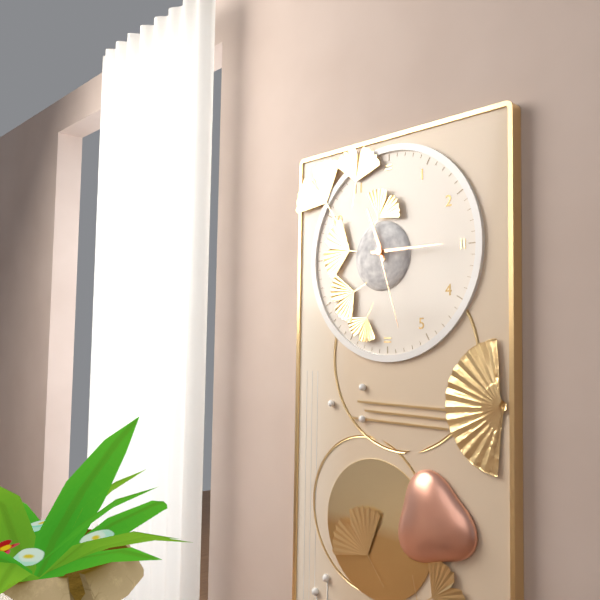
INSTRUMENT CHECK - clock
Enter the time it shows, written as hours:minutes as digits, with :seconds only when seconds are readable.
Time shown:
11:15:27
